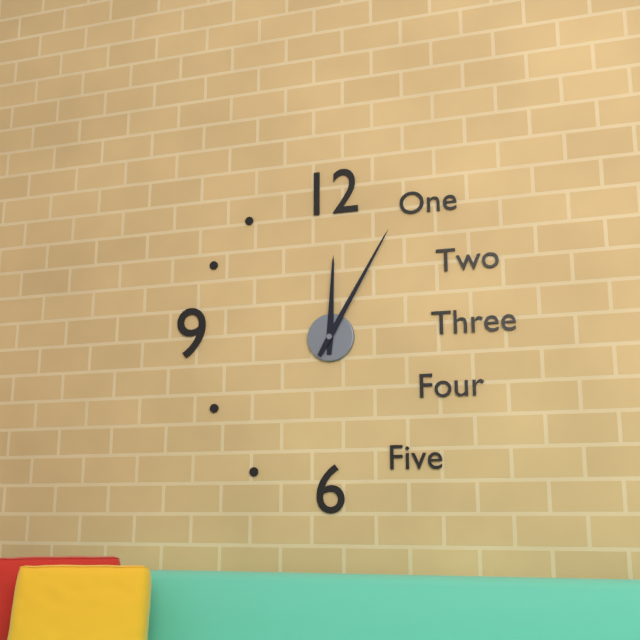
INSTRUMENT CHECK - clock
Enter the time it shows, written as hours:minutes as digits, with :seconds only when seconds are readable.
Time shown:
12:05
